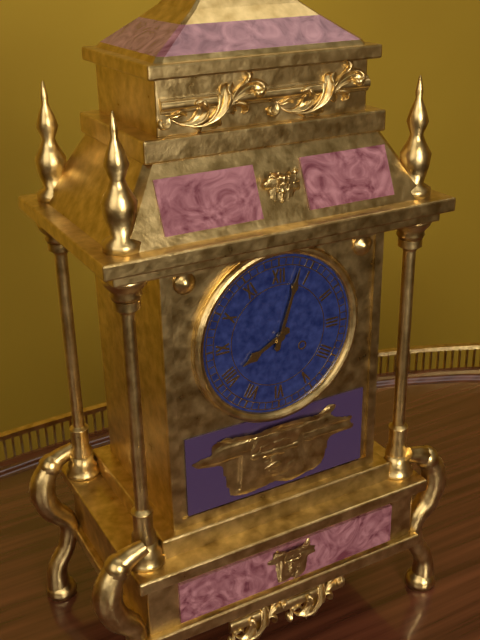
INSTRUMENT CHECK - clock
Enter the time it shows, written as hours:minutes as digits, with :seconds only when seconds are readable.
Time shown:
8:03
